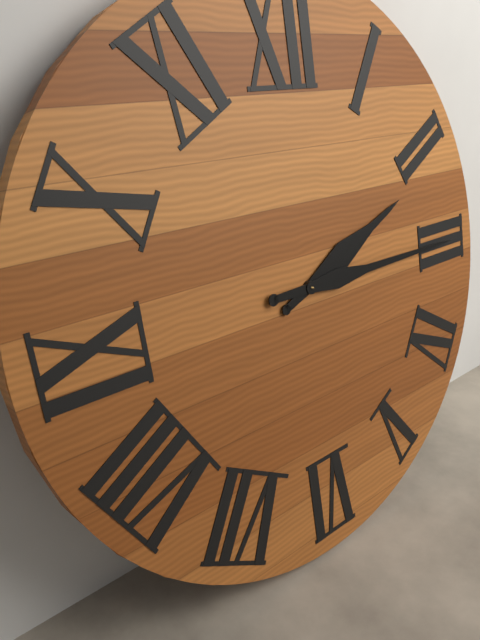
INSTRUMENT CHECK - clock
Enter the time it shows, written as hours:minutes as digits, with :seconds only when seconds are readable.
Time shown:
2:15
